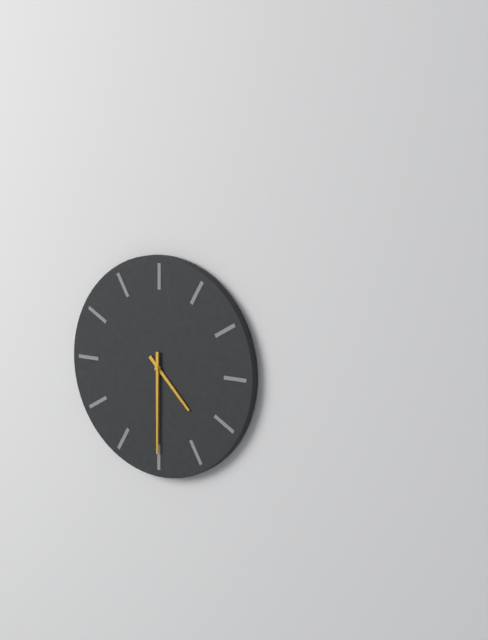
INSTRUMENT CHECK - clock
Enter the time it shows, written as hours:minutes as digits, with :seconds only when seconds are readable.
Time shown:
4:30
